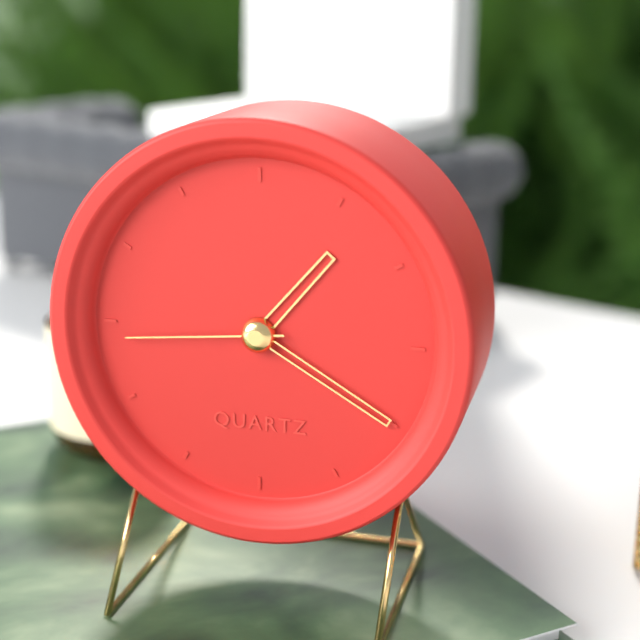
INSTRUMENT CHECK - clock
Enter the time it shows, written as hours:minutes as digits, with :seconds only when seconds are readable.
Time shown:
1:20:44
